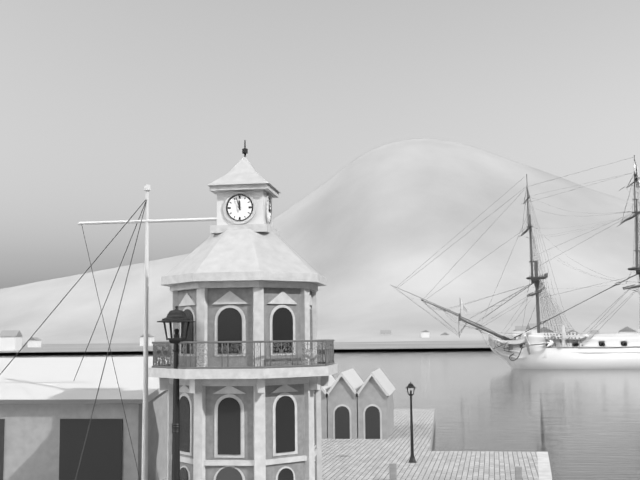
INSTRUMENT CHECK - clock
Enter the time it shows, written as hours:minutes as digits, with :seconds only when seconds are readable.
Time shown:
11:57
